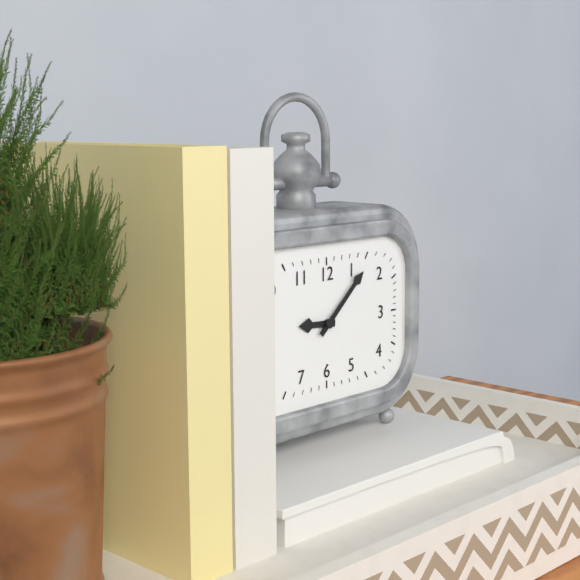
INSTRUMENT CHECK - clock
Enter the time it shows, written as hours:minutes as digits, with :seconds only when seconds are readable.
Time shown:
9:08
